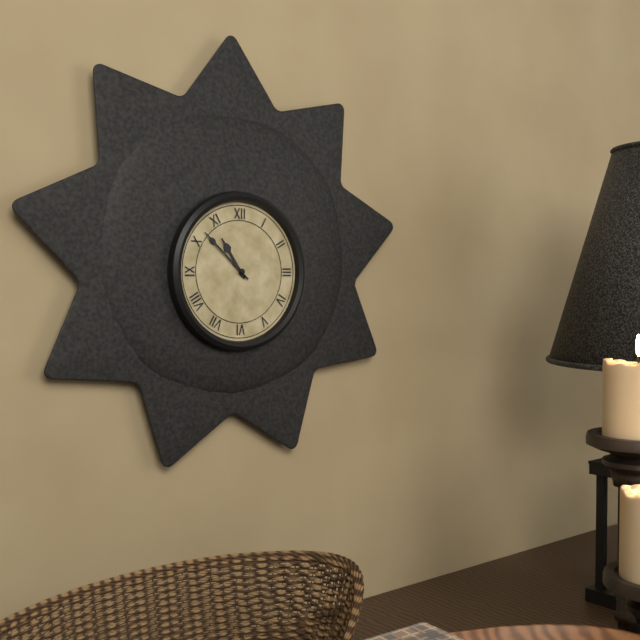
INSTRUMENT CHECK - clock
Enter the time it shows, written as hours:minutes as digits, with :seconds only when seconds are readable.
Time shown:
10:52
